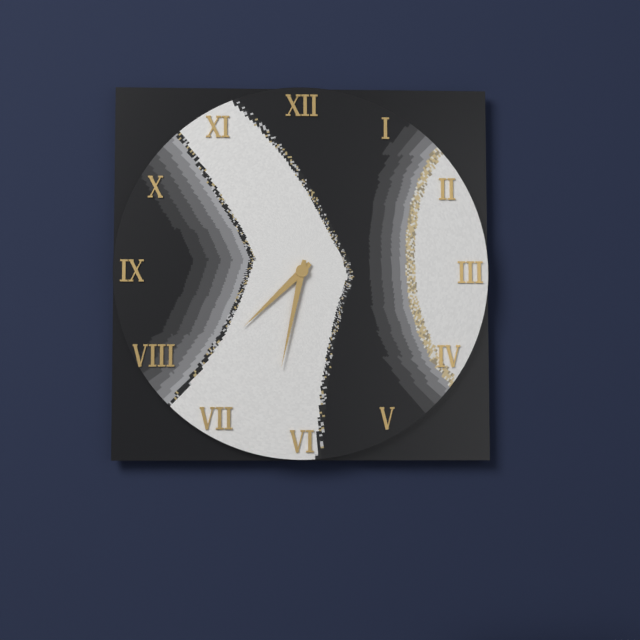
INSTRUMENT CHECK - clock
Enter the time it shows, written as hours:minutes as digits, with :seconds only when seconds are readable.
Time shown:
7:32
